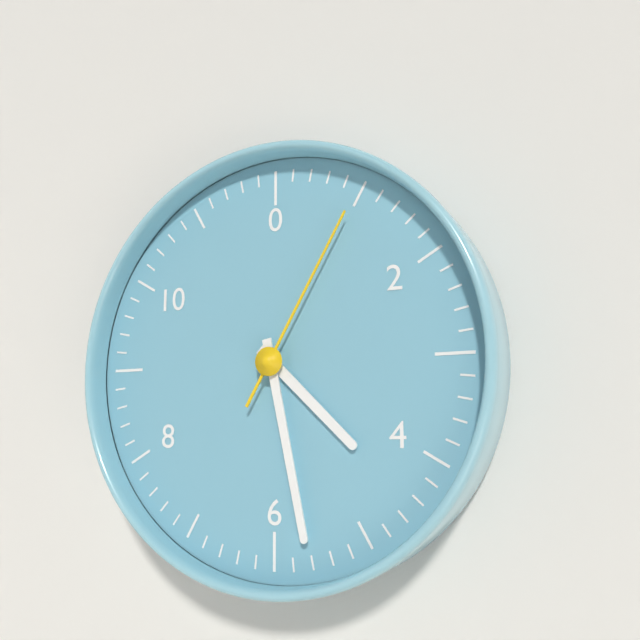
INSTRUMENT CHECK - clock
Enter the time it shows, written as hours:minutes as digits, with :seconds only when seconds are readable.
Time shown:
4:28:05
